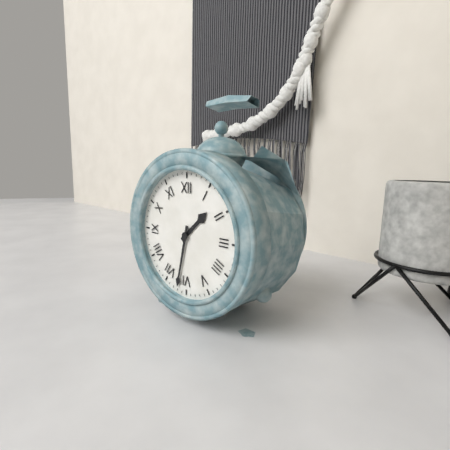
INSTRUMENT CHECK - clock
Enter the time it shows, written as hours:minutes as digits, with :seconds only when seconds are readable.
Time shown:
1:32
